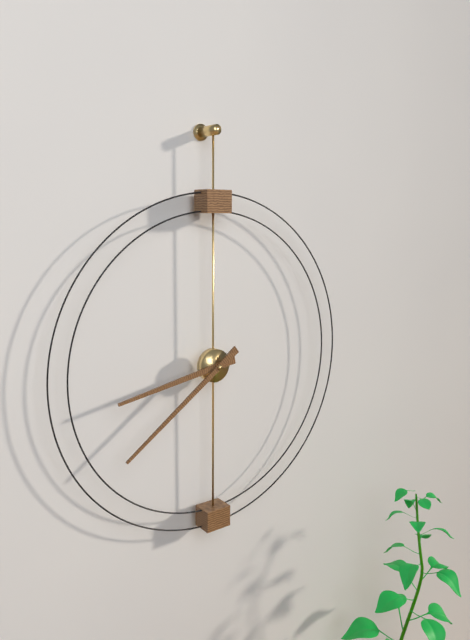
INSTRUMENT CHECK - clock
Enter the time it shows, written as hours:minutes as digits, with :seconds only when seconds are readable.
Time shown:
8:39
